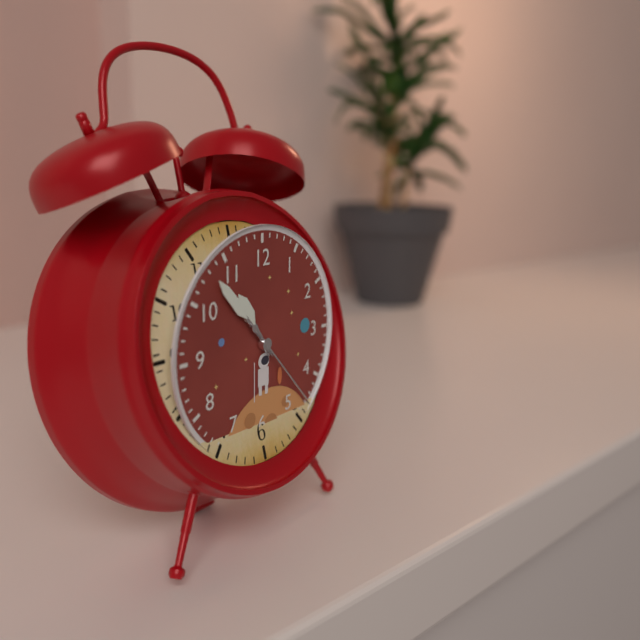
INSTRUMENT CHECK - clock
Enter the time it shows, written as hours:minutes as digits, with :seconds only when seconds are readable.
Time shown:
10:53:23
